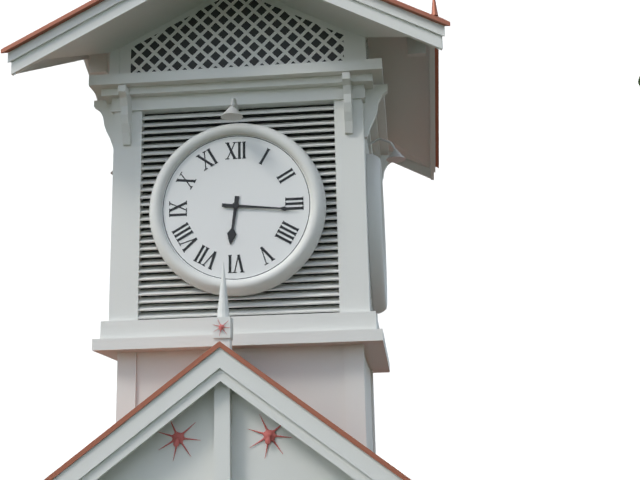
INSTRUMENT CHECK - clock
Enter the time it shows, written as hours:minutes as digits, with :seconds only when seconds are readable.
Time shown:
6:16
